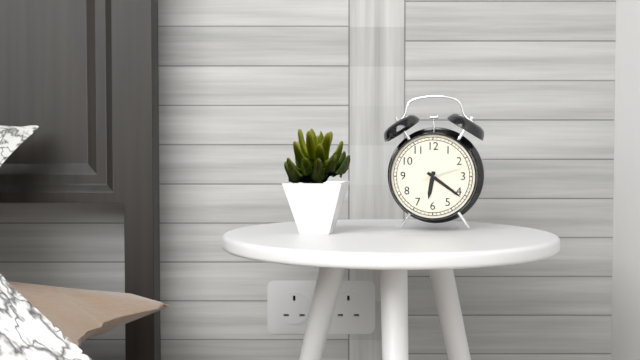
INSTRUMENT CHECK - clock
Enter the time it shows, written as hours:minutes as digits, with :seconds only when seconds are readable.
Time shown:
6:21
